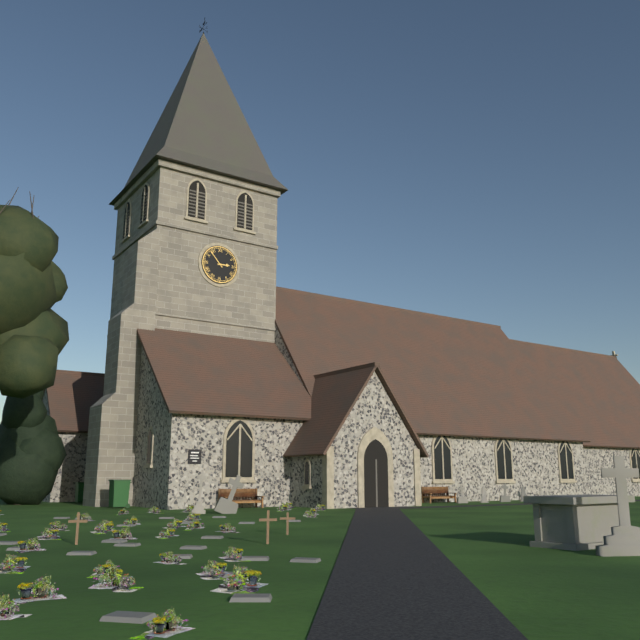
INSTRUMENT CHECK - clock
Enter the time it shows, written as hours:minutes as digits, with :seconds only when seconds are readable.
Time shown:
2:53
